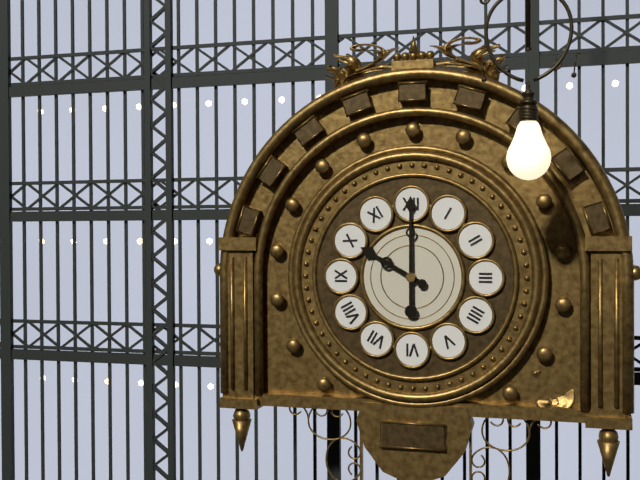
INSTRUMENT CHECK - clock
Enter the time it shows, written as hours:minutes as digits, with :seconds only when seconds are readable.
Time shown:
10:00
